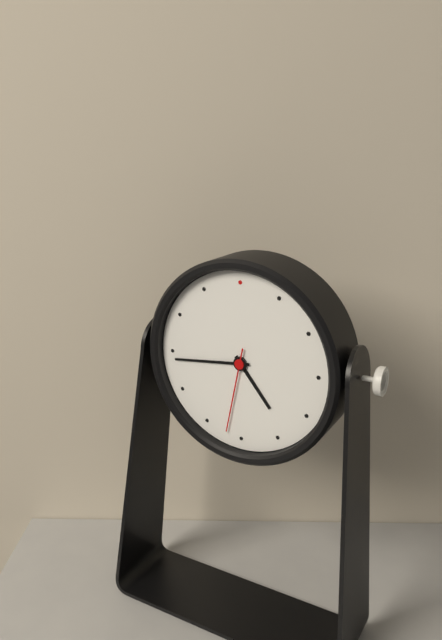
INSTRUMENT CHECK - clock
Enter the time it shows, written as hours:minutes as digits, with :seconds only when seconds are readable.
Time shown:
4:44:32
